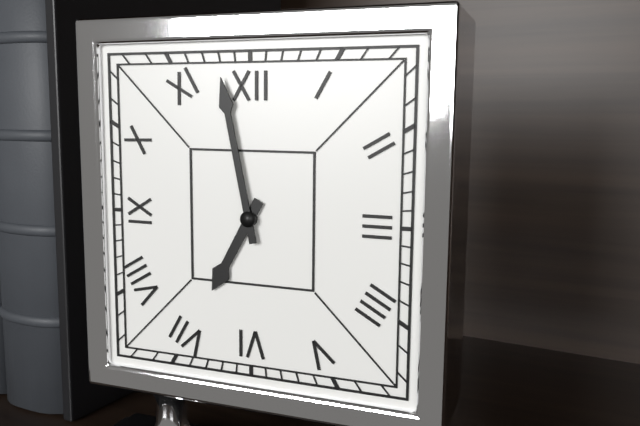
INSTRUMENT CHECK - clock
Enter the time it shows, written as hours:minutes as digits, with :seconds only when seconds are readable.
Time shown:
6:58
